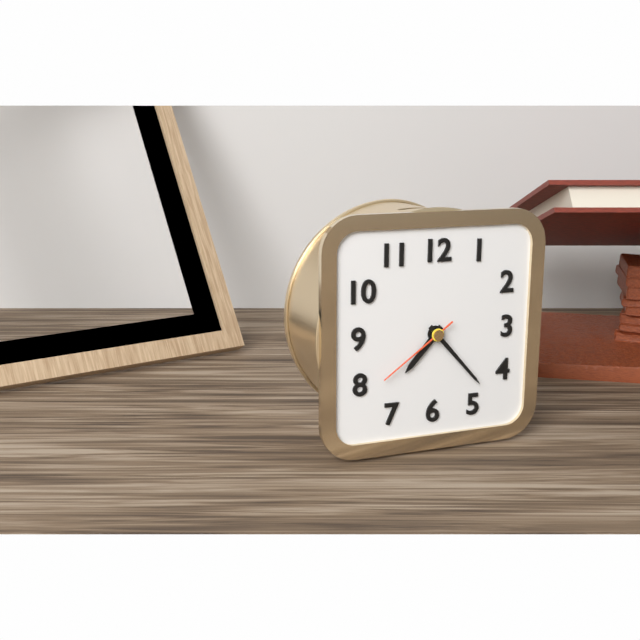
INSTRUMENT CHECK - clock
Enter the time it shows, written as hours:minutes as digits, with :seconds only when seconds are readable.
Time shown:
7:23:39
